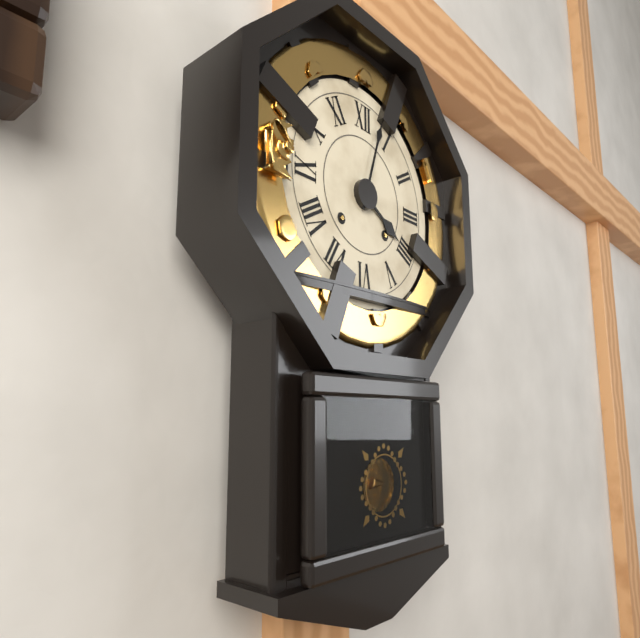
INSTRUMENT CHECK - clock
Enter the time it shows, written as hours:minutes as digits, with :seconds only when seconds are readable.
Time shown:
4:03
